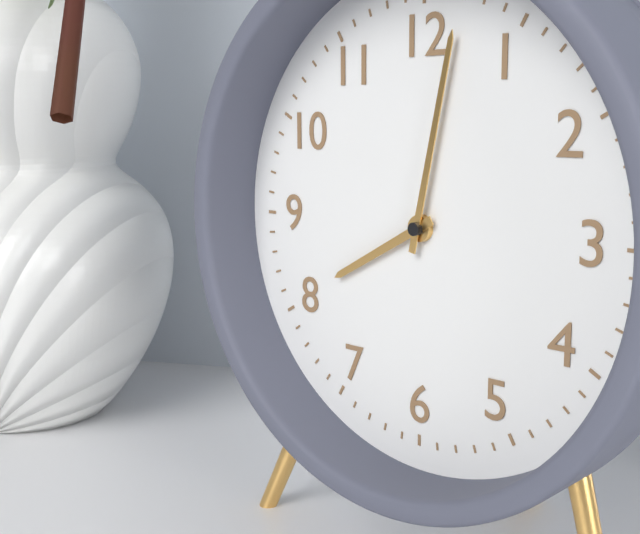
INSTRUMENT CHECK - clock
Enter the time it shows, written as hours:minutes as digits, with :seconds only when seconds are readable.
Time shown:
8:02
